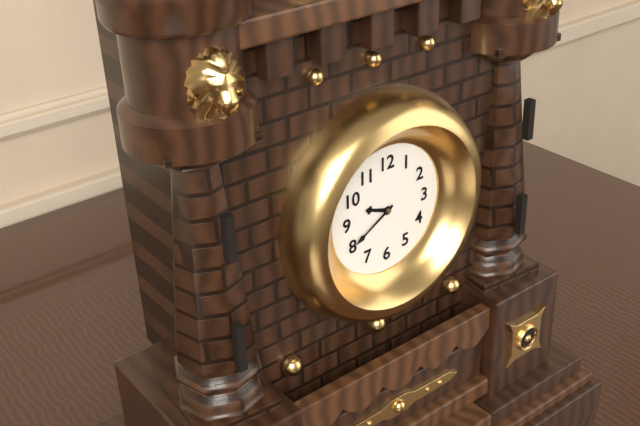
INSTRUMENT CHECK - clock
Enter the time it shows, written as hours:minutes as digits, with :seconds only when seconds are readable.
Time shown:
9:40
